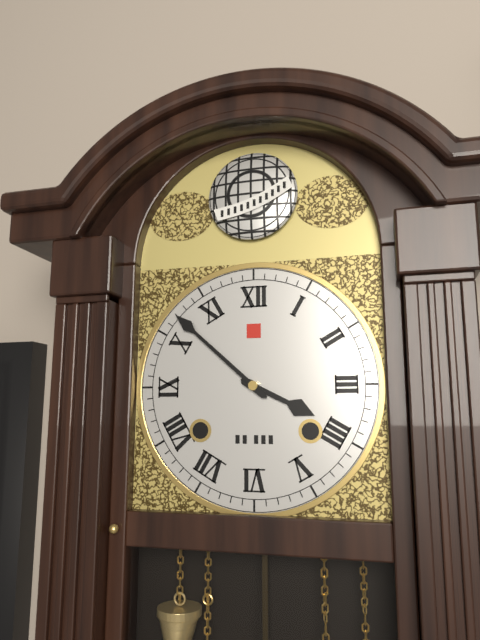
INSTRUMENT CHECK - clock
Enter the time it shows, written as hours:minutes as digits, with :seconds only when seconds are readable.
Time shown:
3:52
